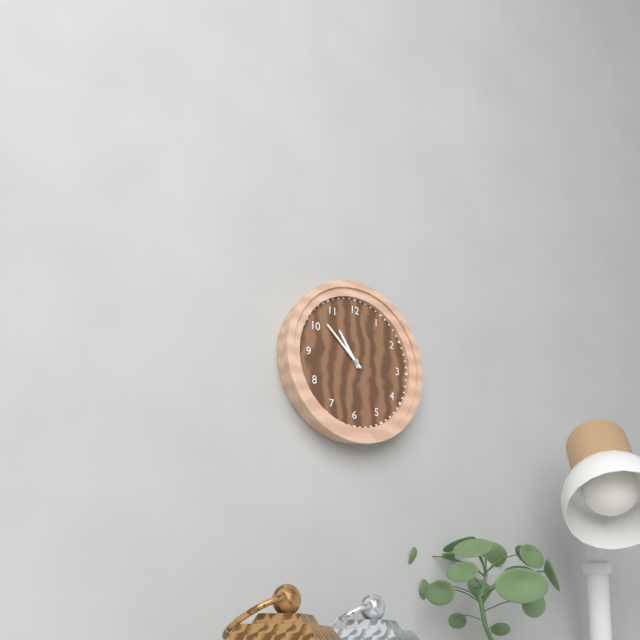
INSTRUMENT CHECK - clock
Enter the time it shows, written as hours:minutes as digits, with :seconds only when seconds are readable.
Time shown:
10:52
